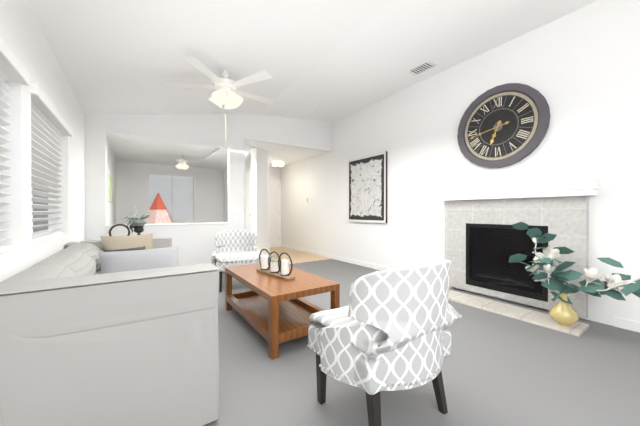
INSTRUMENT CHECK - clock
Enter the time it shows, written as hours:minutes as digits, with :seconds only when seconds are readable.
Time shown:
6:43
